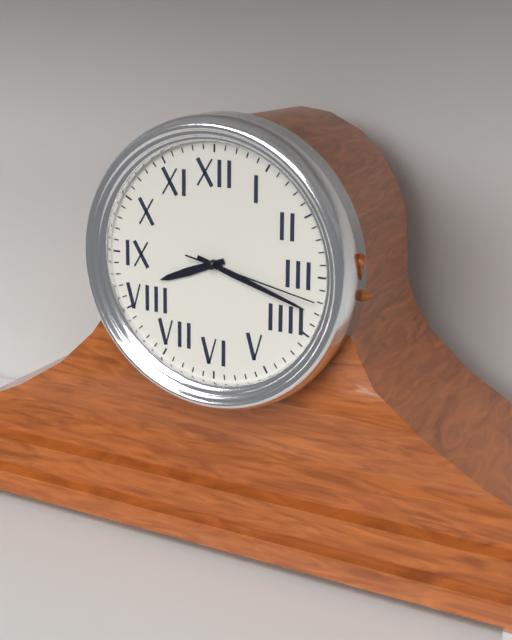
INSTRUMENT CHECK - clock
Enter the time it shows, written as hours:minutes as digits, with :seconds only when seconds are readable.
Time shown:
8:18:17
